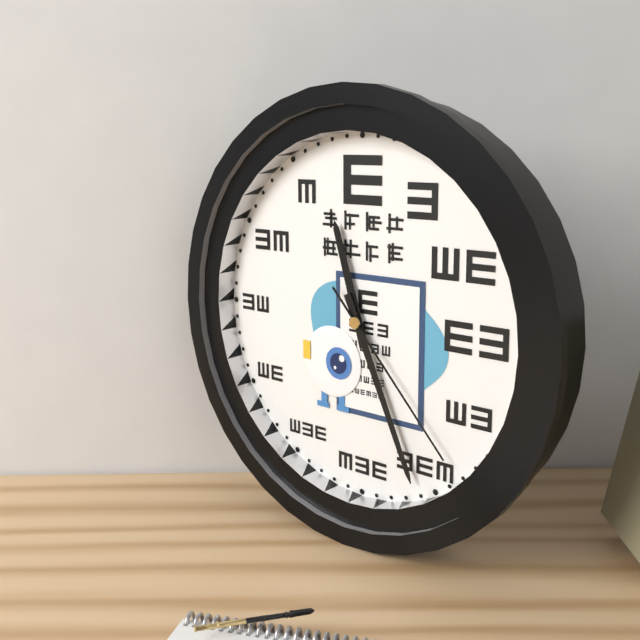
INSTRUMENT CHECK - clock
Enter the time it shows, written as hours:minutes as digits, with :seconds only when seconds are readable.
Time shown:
11:26:23
